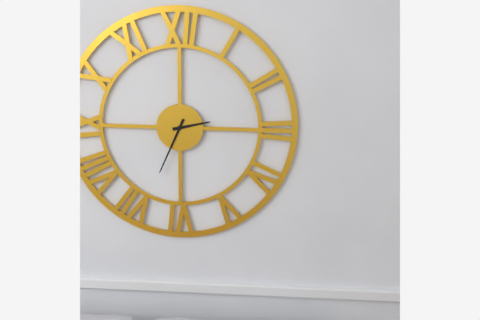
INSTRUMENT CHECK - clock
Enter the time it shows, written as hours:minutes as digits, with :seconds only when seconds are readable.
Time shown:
2:34
